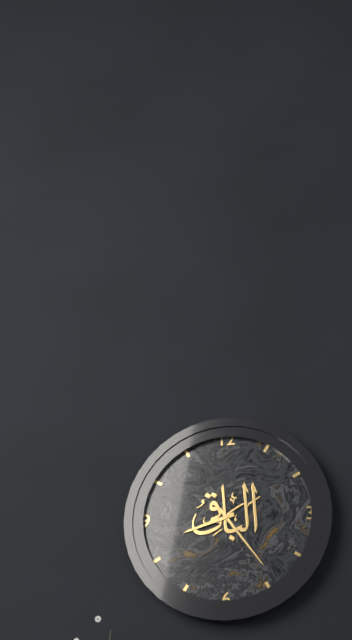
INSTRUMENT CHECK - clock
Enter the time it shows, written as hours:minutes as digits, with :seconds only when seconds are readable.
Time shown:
8:24
